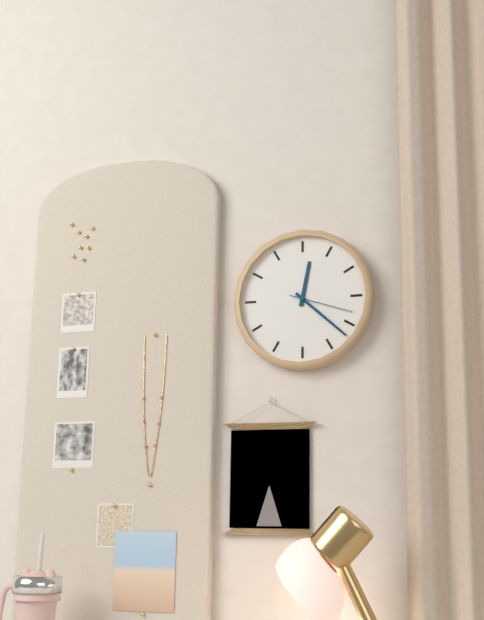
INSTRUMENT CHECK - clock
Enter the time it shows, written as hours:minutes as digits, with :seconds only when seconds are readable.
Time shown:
12:22:18
